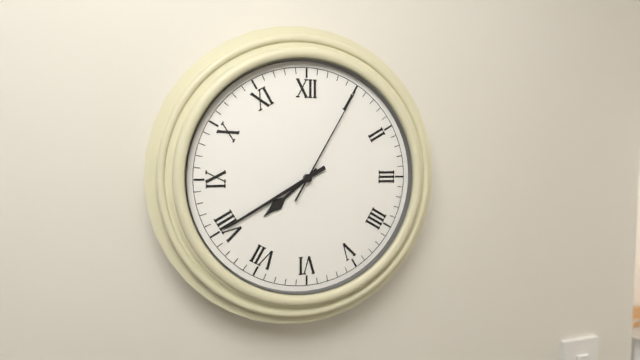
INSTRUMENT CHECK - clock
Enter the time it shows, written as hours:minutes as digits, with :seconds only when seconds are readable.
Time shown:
7:40:05
